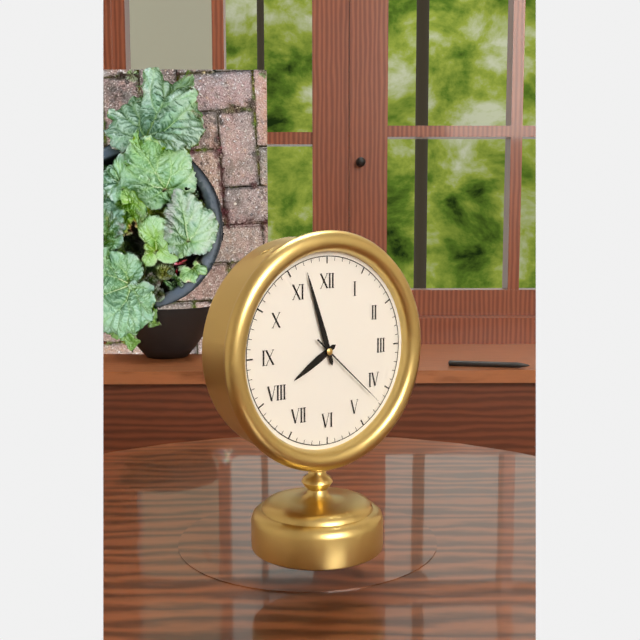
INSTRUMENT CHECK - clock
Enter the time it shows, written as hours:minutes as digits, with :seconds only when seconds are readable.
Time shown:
7:57:22
